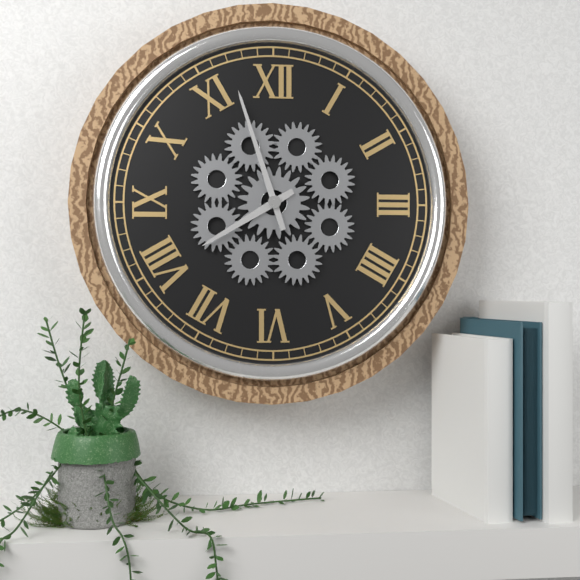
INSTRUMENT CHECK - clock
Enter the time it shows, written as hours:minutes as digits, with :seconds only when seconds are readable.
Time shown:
7:57
